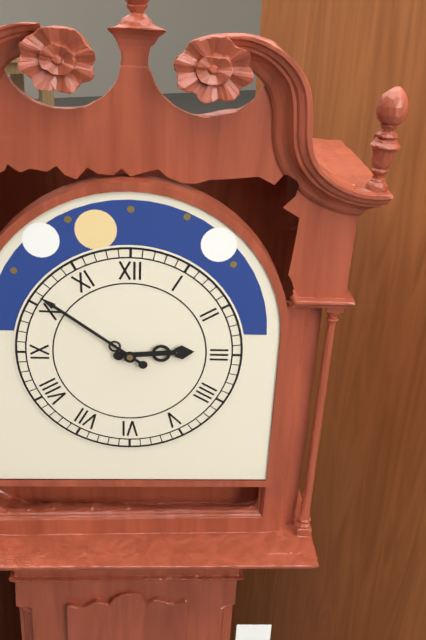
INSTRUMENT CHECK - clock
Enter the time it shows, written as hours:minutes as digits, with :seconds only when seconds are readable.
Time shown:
2:51
